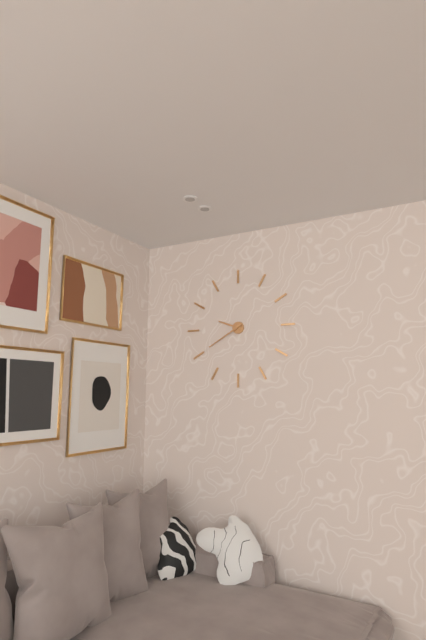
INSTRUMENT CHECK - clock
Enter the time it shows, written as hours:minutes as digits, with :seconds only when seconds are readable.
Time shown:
9:40
